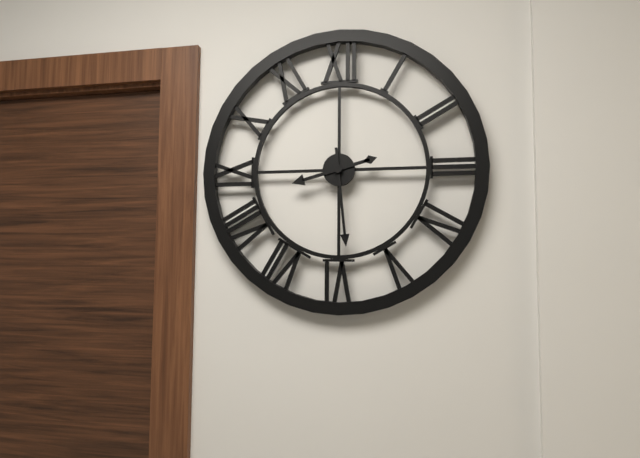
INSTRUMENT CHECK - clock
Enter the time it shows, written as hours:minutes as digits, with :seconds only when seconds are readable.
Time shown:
8:29
